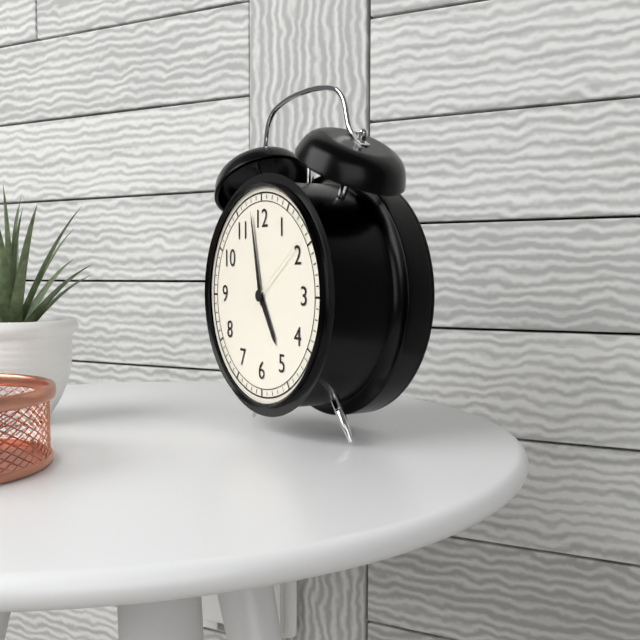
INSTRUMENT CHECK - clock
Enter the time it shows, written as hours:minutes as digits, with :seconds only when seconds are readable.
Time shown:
4:58:09
